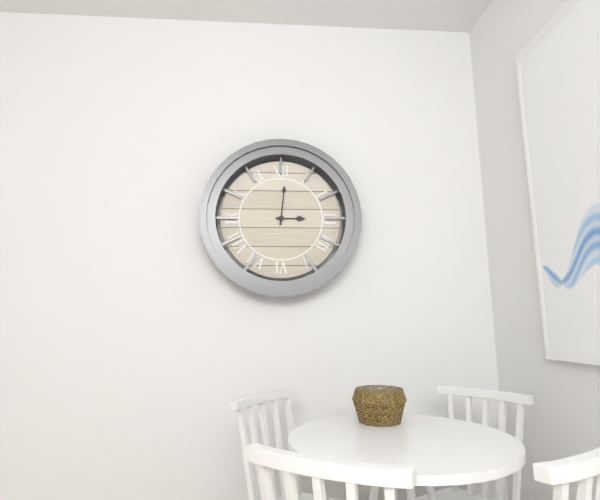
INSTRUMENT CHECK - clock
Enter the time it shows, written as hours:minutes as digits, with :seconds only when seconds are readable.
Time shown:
3:01
